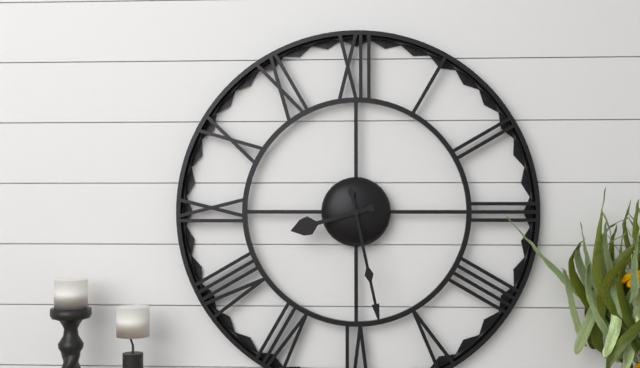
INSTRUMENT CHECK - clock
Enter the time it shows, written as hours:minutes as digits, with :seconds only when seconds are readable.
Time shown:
8:28
